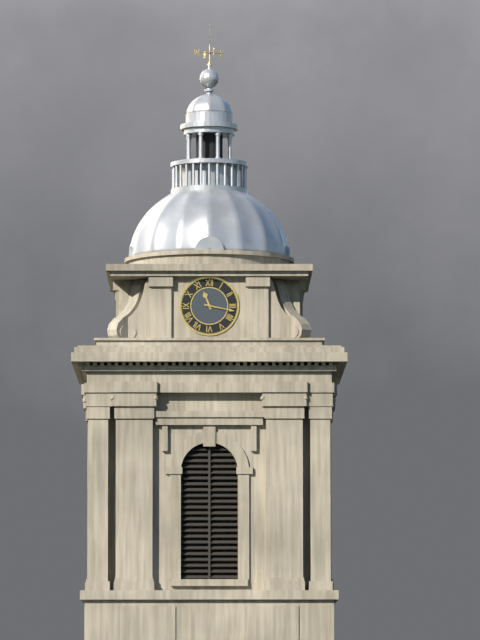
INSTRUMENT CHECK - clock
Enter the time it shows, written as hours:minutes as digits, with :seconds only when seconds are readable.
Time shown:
11:17
